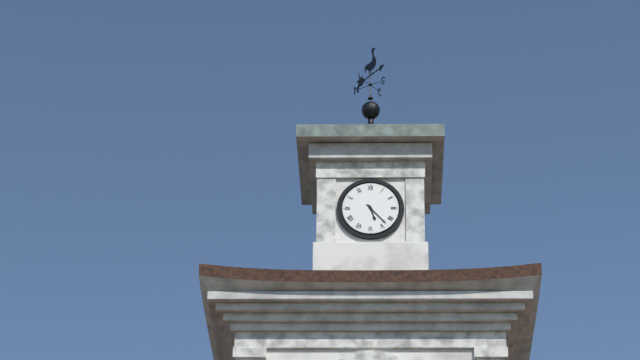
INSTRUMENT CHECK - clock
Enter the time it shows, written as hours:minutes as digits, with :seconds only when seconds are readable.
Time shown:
5:23
